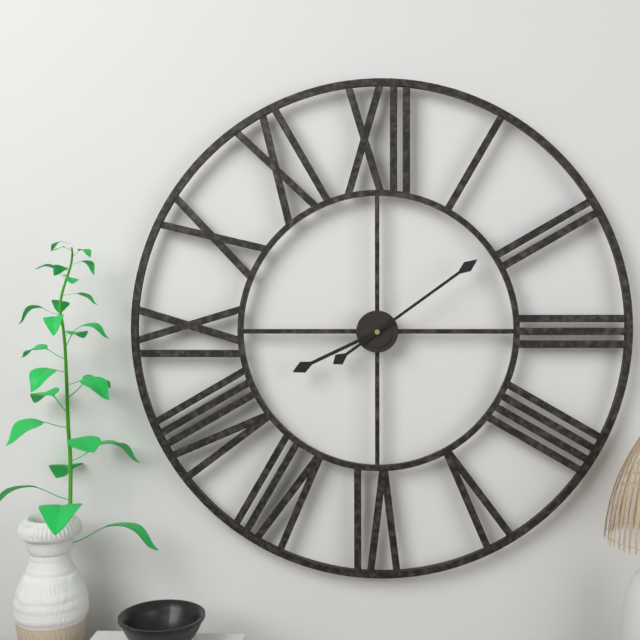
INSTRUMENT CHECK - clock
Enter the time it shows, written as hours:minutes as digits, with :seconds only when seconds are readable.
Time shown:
8:09
